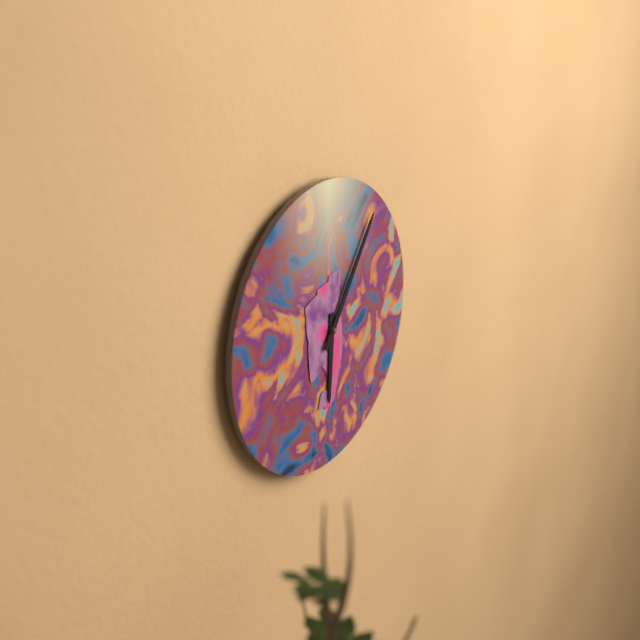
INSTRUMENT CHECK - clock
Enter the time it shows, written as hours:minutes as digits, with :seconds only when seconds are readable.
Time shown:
6:06
